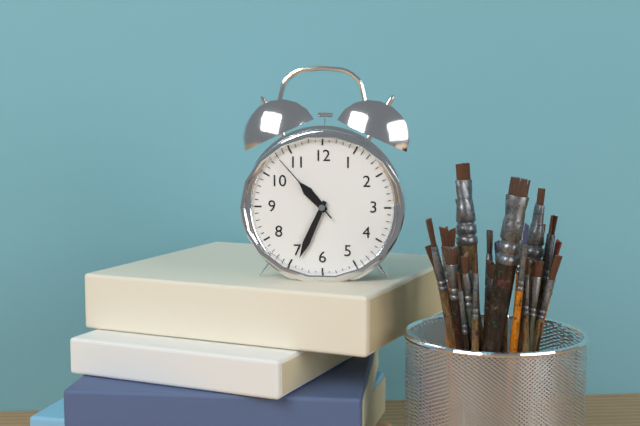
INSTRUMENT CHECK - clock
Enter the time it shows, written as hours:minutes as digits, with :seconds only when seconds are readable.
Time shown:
10:34:53
